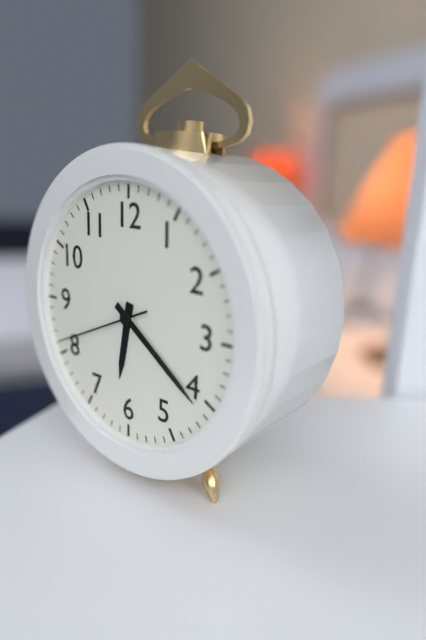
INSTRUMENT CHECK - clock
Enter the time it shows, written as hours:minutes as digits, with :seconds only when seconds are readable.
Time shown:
6:21:41
